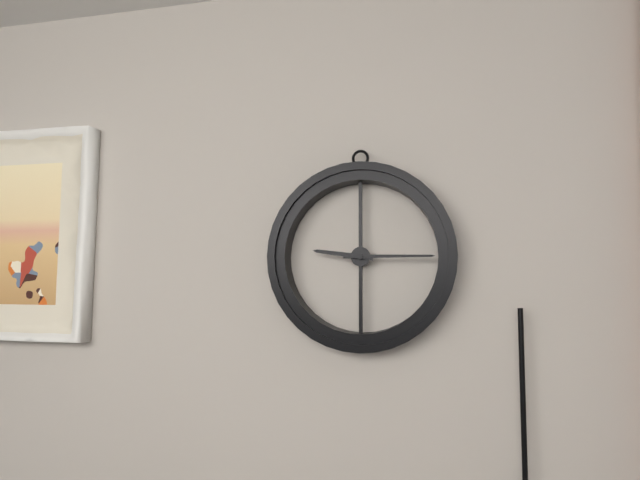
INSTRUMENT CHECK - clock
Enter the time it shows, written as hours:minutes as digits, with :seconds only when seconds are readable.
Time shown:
9:15
